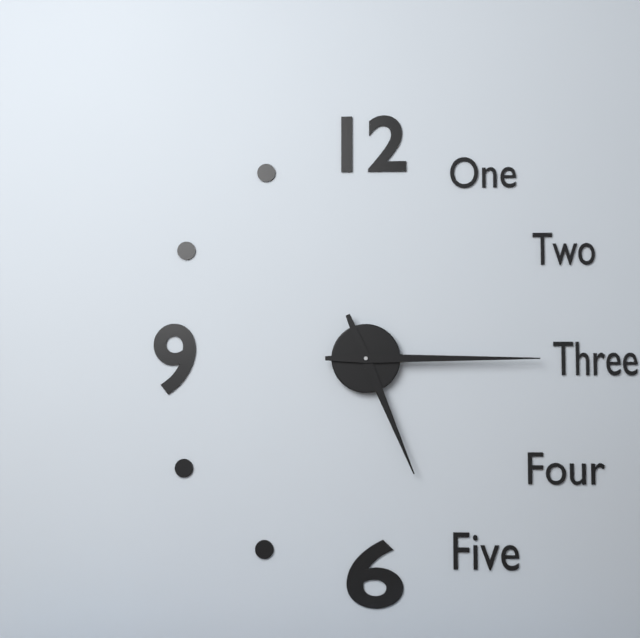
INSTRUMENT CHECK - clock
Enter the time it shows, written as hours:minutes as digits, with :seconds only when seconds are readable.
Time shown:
5:15
